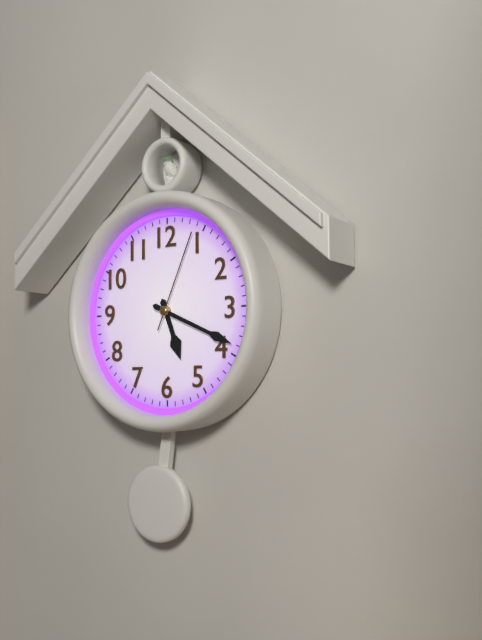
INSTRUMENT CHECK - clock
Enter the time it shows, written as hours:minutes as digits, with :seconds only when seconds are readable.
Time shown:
5:19:04
